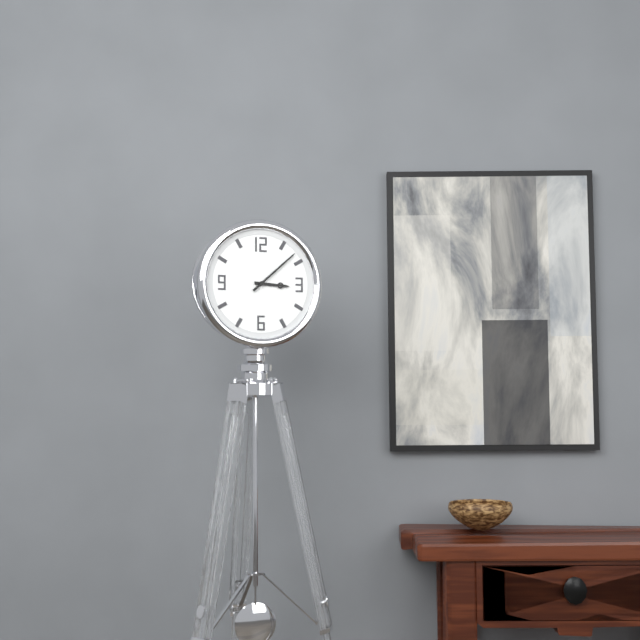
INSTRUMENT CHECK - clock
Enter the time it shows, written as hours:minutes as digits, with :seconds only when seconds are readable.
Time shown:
3:08
